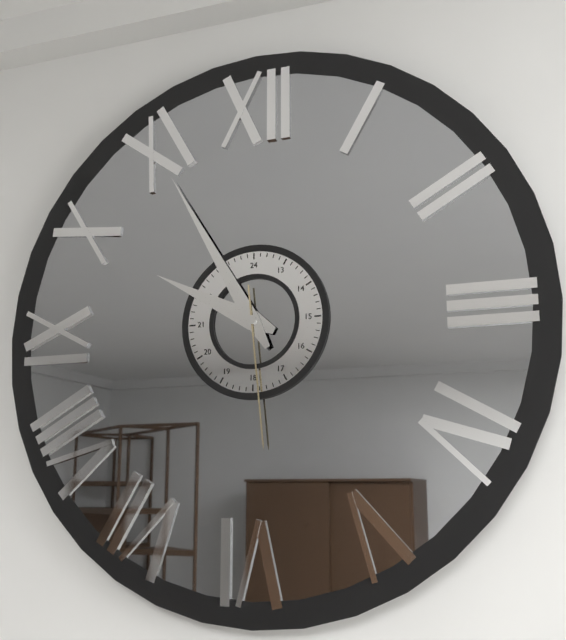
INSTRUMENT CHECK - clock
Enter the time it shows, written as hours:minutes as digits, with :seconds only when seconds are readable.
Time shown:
9:55:29
